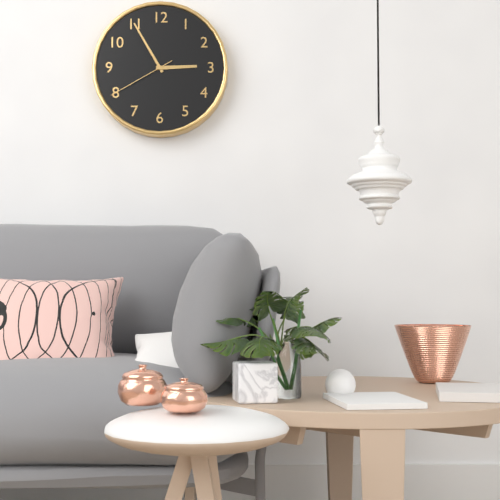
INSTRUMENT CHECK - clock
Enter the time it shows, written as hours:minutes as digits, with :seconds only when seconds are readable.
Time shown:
2:55:40
